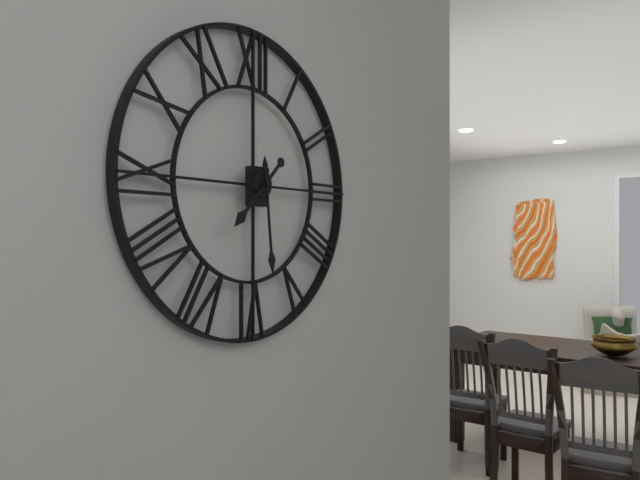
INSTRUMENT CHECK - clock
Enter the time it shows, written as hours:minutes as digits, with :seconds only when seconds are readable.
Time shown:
7:29
